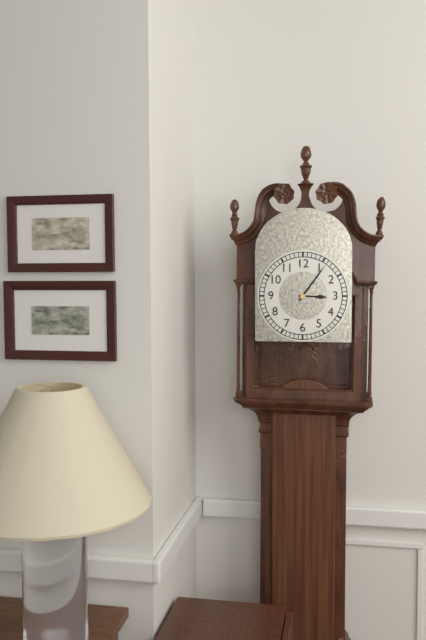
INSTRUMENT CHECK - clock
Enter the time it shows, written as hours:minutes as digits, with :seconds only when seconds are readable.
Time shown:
3:06
